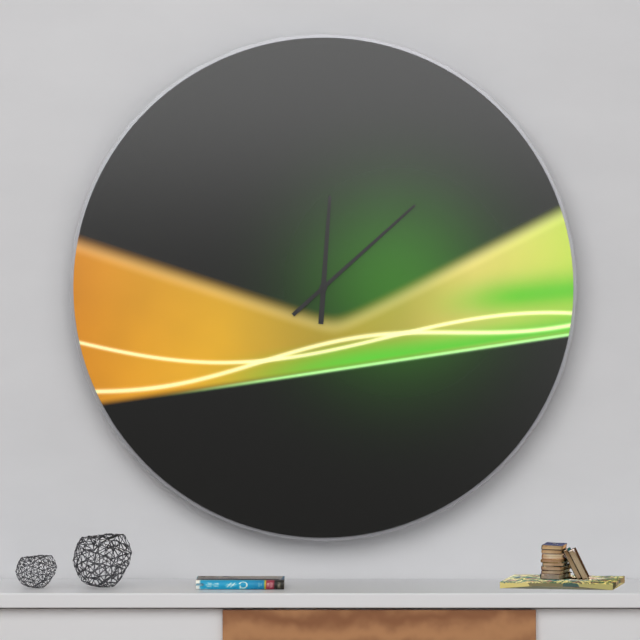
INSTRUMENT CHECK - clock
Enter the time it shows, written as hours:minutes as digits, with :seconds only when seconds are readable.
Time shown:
12:08
